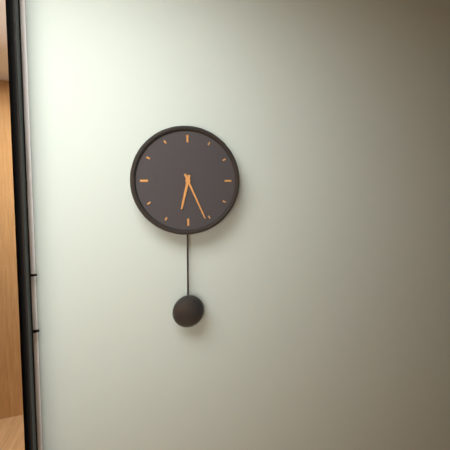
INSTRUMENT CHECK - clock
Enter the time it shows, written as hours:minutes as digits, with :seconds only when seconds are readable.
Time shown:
6:26
